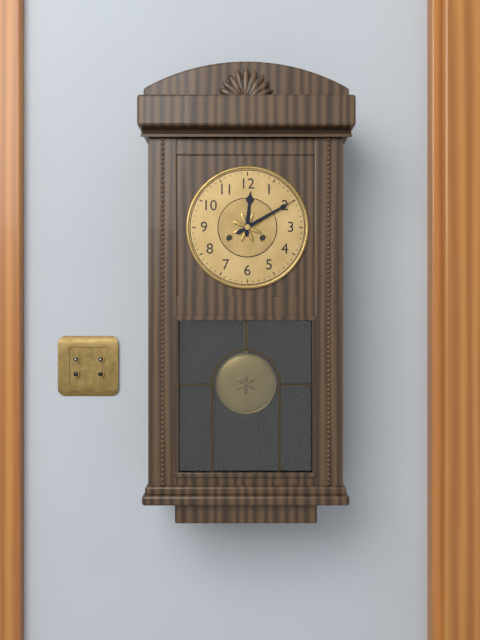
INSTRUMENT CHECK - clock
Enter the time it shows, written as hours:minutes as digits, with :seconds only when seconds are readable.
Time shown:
12:10
